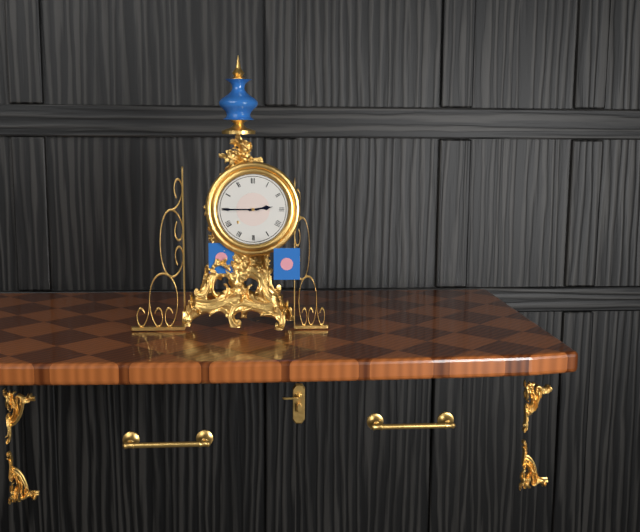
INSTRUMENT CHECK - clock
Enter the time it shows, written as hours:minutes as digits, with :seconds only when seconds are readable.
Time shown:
2:45
